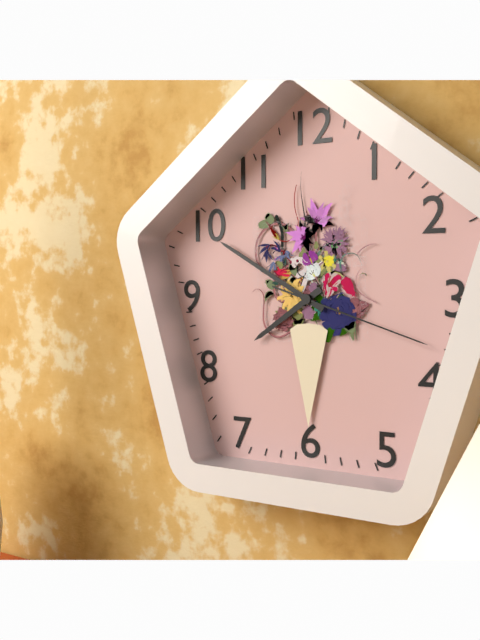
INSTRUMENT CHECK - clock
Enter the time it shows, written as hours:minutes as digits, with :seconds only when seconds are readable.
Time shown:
7:50:18
